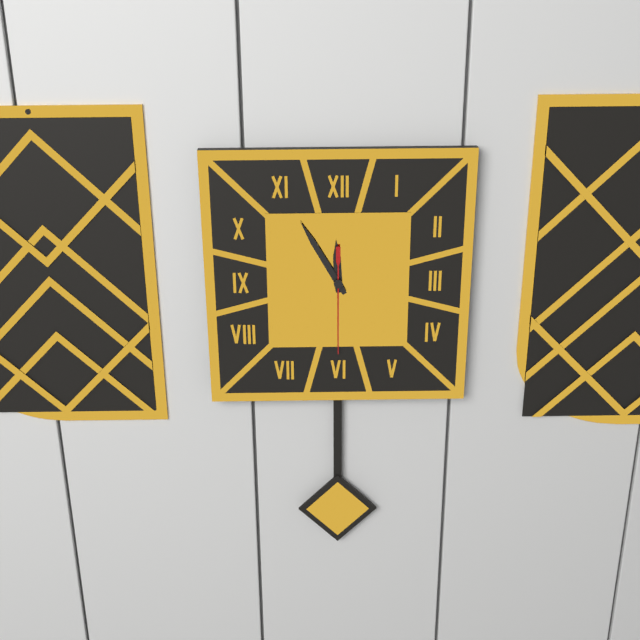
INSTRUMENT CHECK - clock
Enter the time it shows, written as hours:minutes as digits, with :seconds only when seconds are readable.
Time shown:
11:55:30
